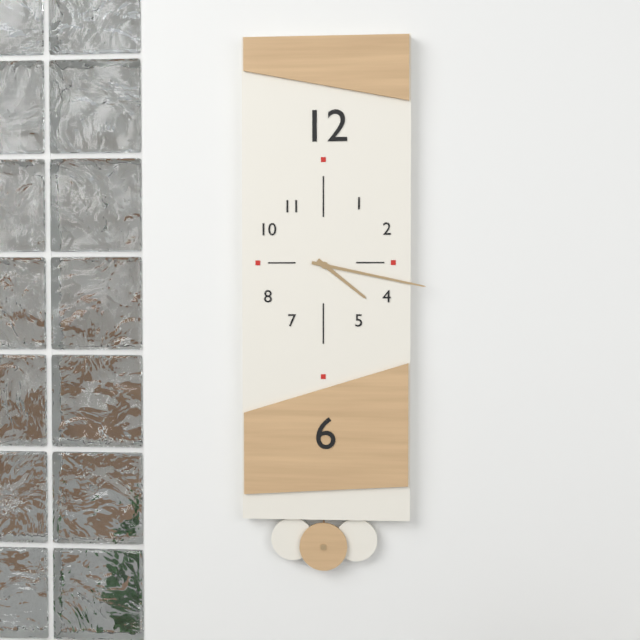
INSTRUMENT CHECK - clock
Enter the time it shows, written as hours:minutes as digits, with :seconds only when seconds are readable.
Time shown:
4:17
